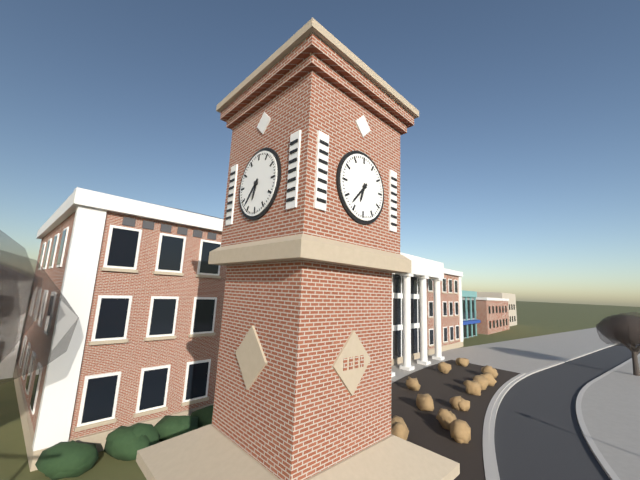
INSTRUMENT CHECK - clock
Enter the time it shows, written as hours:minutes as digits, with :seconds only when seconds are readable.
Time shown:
6:37
